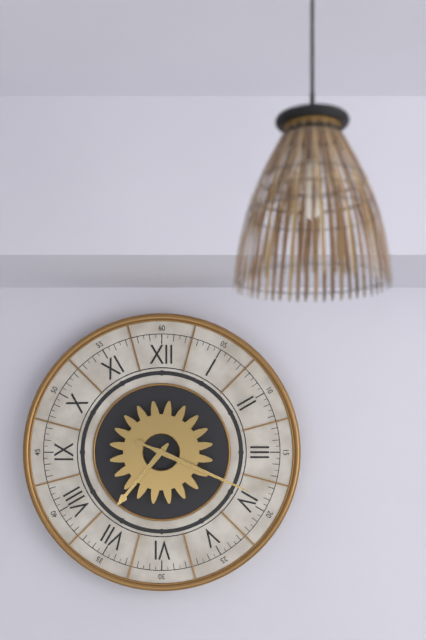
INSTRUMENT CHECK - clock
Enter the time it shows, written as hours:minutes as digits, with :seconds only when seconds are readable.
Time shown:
7:19
